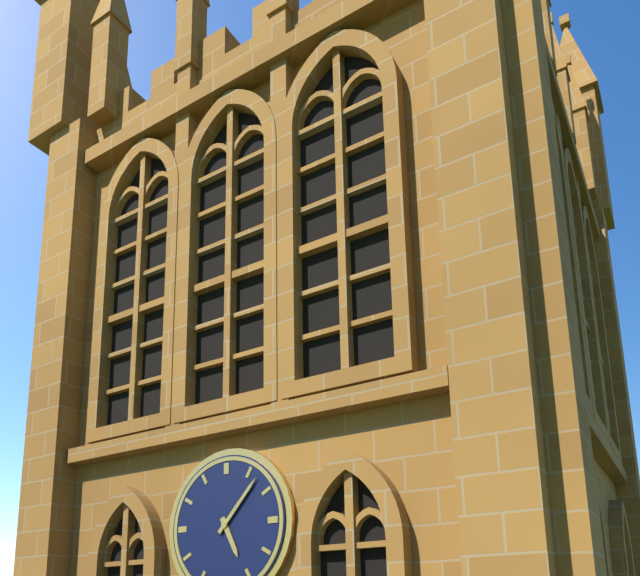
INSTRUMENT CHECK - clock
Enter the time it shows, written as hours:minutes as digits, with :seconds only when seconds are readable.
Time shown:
5:07
